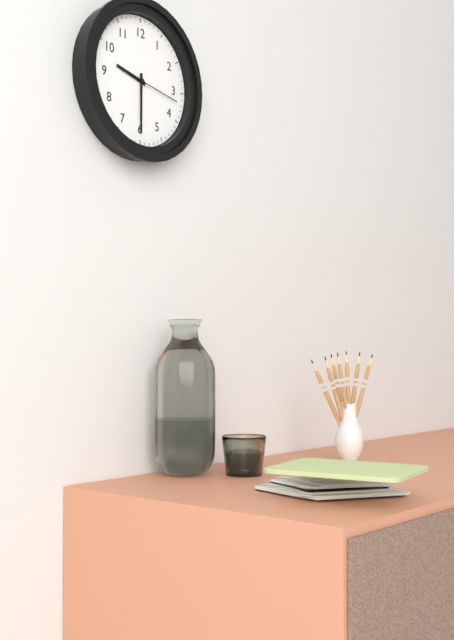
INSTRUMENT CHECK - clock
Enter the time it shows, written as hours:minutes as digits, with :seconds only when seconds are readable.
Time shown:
9:30:17
